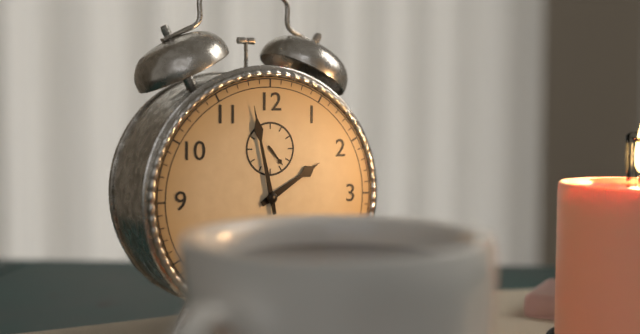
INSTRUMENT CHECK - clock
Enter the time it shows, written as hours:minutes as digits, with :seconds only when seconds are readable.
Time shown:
1:58
